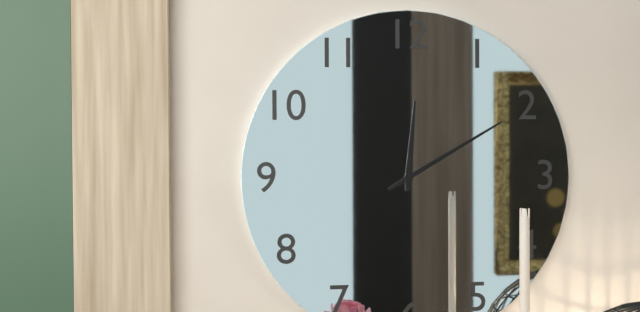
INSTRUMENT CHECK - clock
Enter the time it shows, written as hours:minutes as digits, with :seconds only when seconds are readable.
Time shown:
12:10
